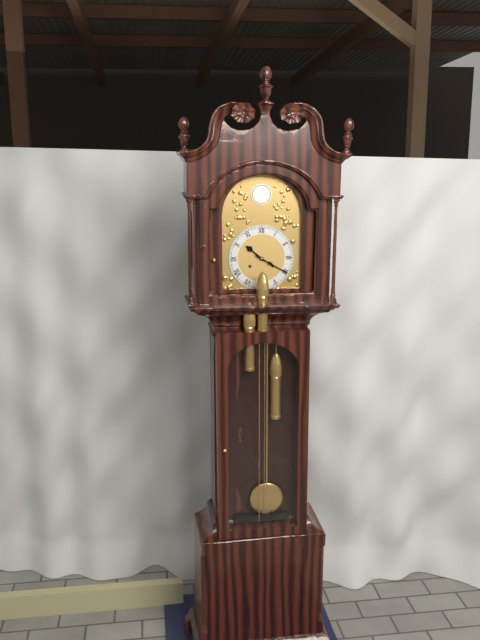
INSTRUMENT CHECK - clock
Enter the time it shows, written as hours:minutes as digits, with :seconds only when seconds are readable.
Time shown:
10:20
